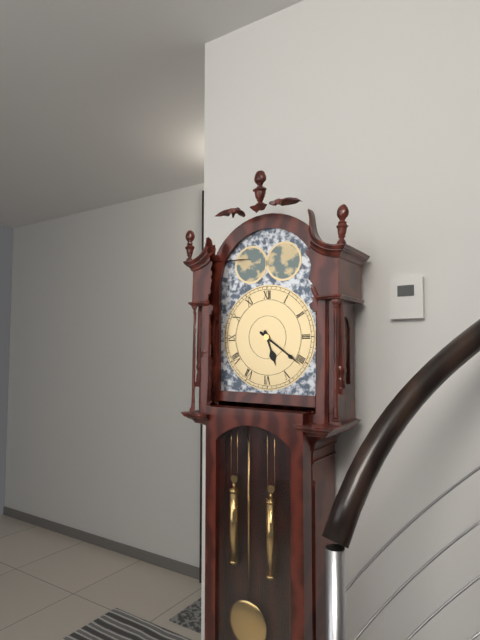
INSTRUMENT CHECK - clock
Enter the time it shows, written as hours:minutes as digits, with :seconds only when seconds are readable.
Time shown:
5:21
